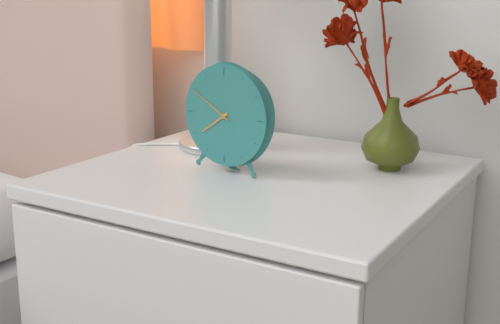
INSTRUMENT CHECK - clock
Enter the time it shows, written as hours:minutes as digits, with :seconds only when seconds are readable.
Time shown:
7:50
